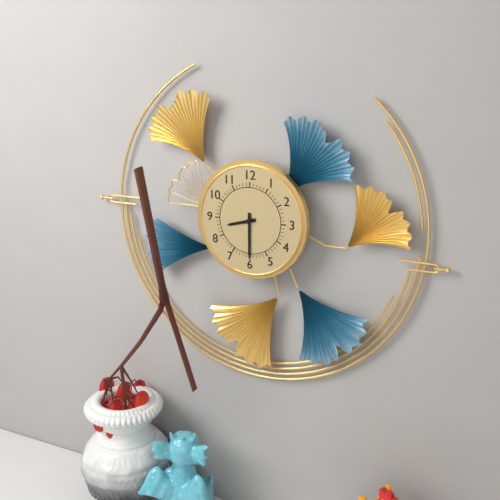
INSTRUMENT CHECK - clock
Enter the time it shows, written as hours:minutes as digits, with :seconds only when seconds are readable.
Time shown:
8:30
